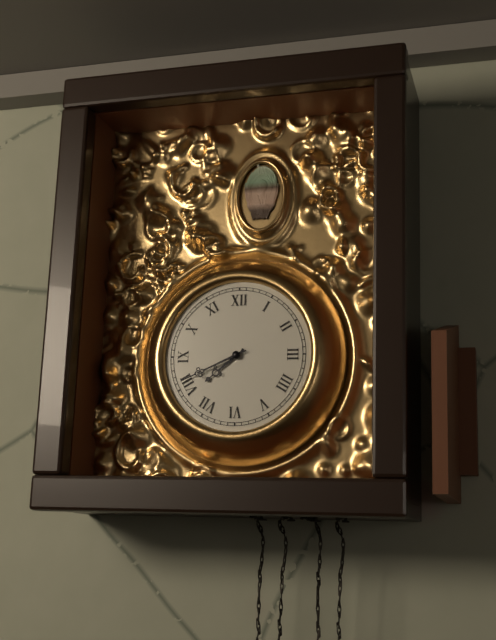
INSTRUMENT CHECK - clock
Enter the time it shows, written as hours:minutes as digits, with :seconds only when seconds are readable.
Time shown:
7:41
